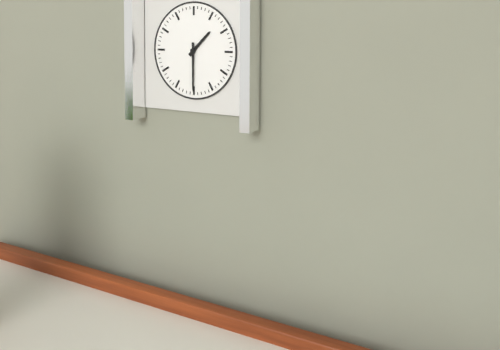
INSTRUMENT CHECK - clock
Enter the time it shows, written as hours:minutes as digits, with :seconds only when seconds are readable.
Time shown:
1:30
